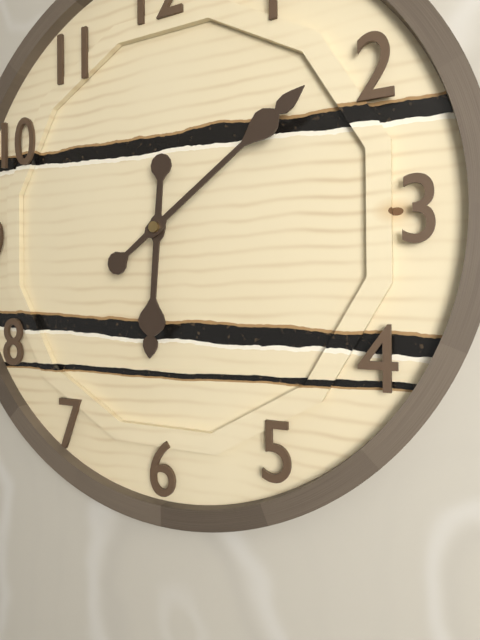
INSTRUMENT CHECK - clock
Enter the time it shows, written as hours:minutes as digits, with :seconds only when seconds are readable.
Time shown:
6:09
